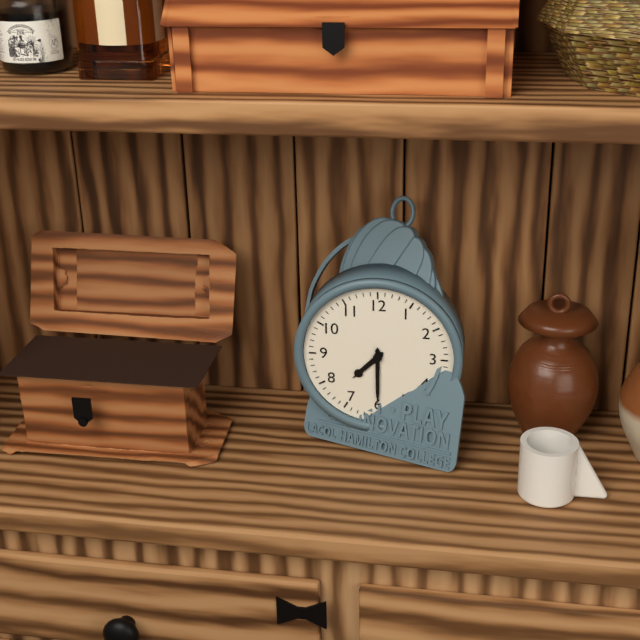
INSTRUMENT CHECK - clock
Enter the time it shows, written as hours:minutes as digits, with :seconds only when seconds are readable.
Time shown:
7:30
